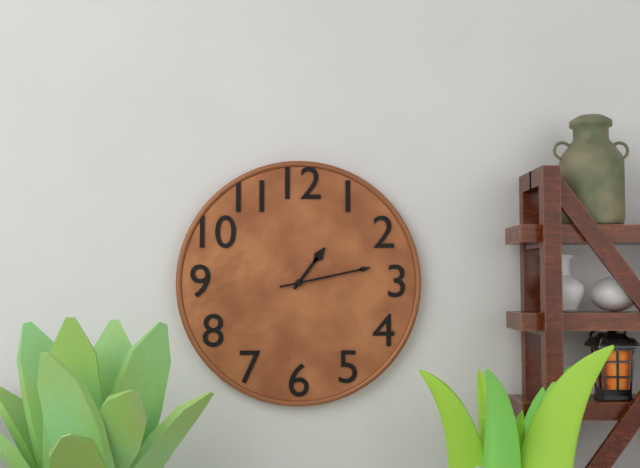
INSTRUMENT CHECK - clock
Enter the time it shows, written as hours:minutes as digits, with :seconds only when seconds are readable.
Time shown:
1:13
